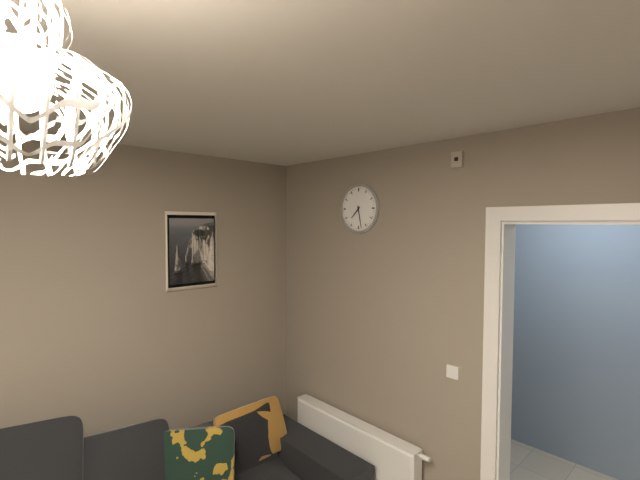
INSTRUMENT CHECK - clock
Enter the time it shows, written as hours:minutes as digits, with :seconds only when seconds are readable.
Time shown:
7:28
